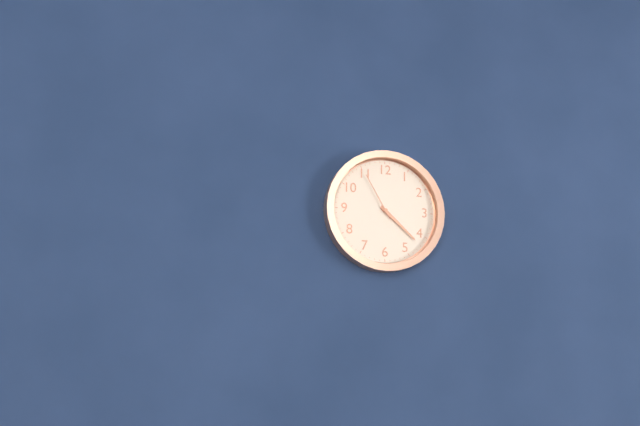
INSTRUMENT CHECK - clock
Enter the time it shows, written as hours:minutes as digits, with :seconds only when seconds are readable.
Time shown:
4:22:55
